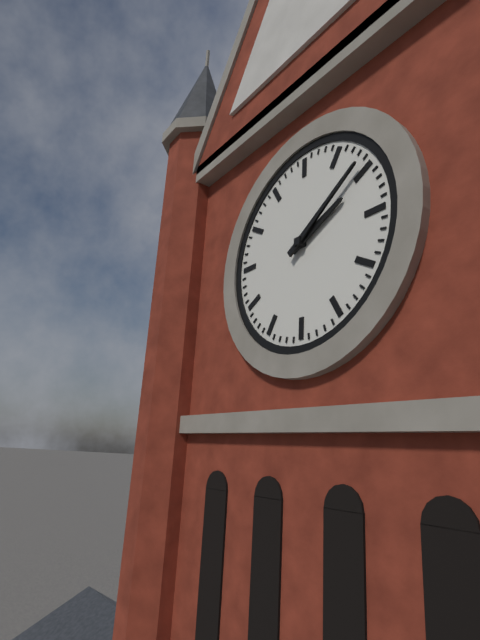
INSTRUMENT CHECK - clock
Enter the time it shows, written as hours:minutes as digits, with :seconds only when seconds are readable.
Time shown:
2:09
